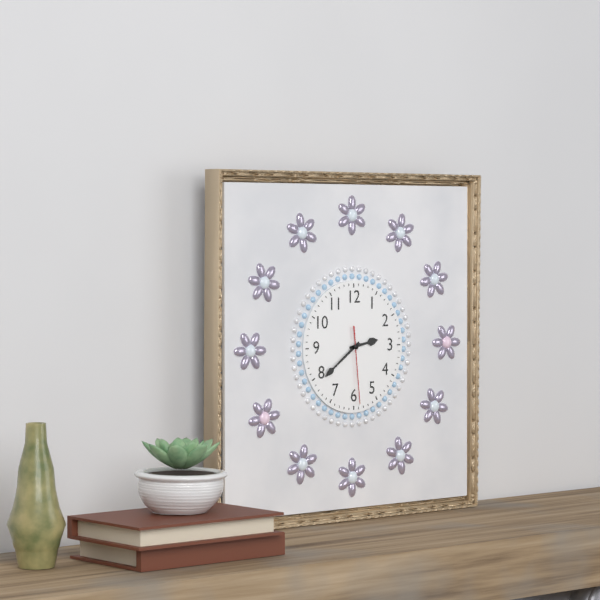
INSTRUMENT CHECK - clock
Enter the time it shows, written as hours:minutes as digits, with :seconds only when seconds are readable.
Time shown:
2:39:29
